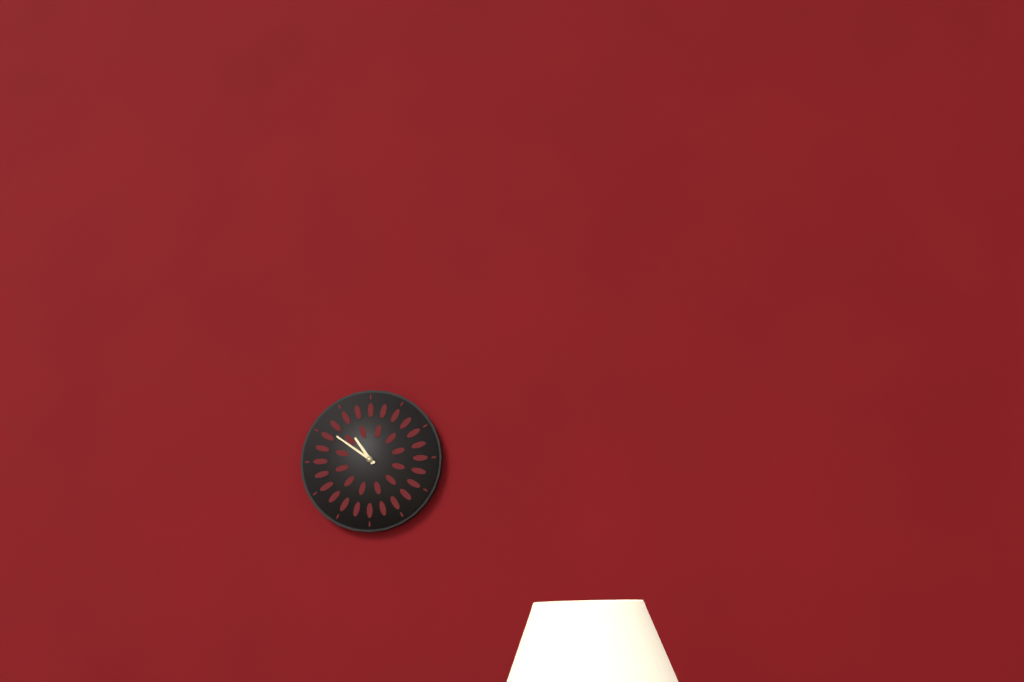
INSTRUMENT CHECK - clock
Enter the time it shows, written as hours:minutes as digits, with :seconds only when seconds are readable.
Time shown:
10:51
